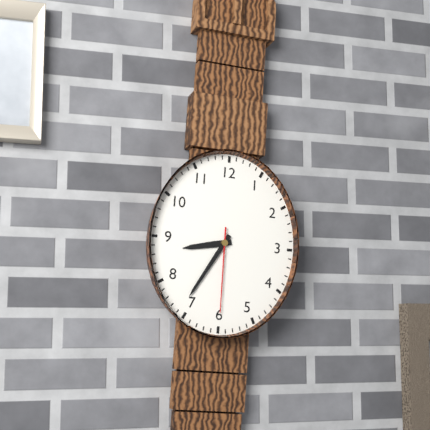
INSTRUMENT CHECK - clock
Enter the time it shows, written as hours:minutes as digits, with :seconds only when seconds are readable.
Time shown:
8:35:30
